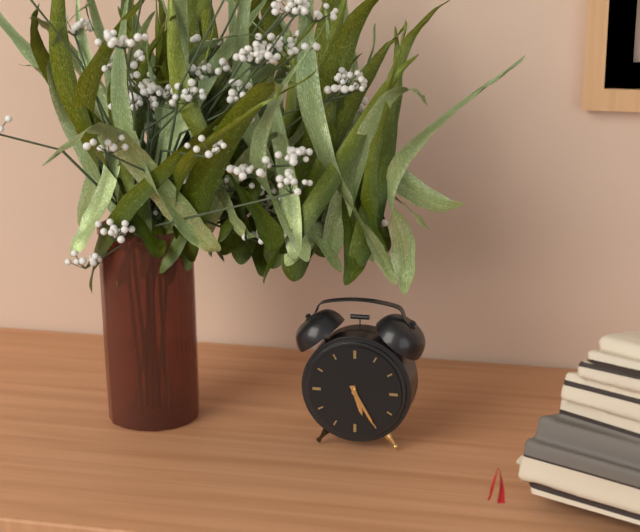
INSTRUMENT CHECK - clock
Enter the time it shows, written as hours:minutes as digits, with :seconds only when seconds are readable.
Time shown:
5:25
